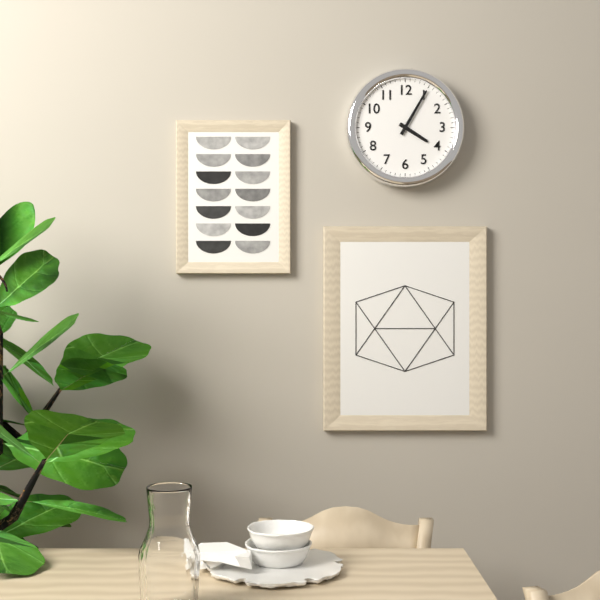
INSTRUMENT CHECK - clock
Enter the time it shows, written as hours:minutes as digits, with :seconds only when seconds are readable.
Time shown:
4:05
